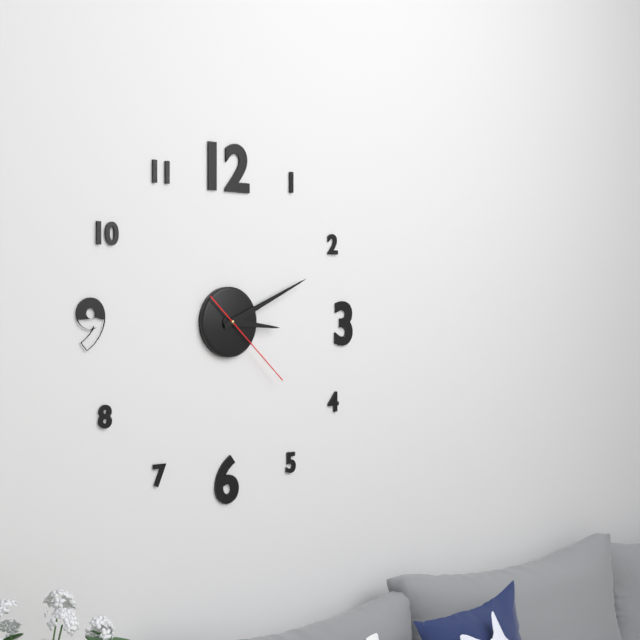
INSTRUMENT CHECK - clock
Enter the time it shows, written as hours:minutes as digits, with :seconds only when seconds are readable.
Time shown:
3:11:22
